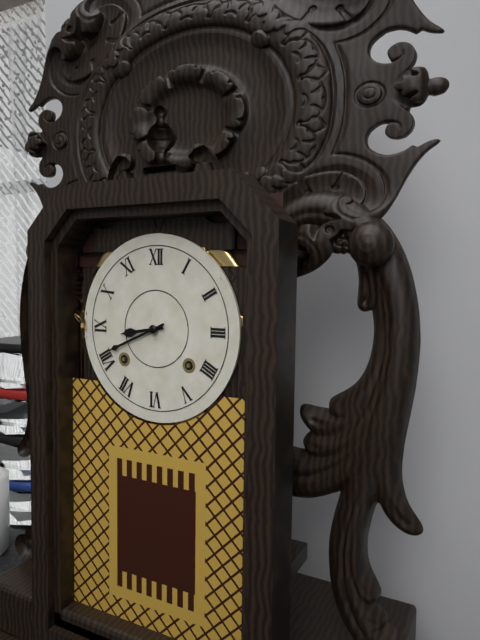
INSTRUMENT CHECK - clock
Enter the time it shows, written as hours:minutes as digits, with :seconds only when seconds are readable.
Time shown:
8:41
